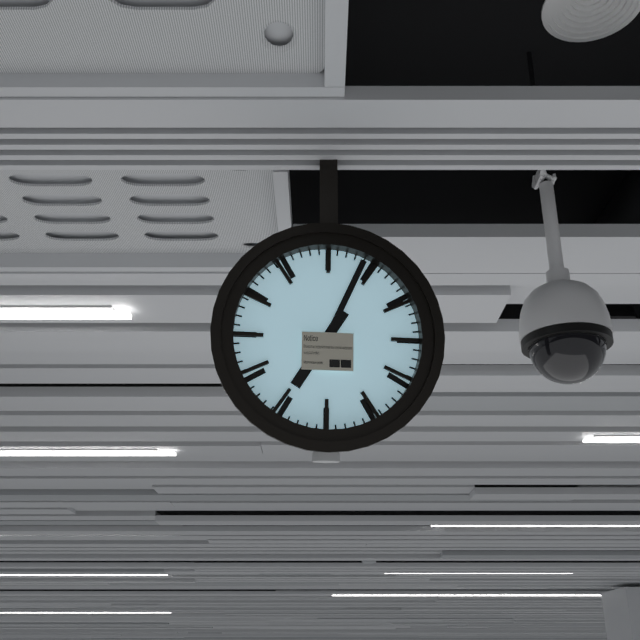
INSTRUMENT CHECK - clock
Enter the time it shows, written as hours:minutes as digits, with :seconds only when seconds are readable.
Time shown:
7:04
